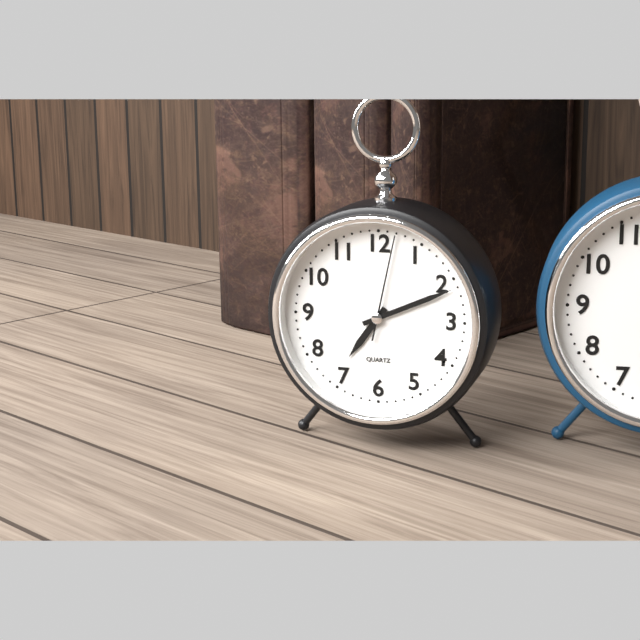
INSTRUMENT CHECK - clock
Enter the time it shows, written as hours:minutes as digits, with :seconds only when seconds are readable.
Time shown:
7:11:02
